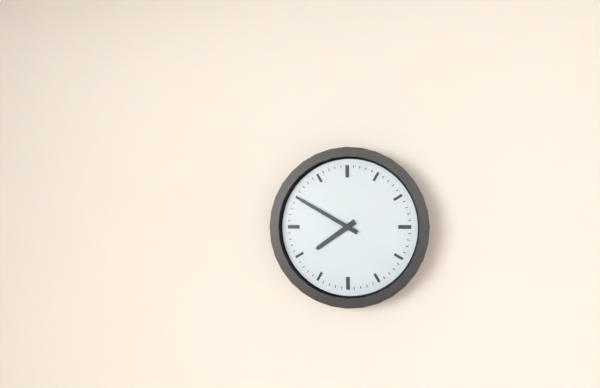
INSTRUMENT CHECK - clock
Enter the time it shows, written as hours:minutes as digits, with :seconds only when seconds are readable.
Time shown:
7:50
